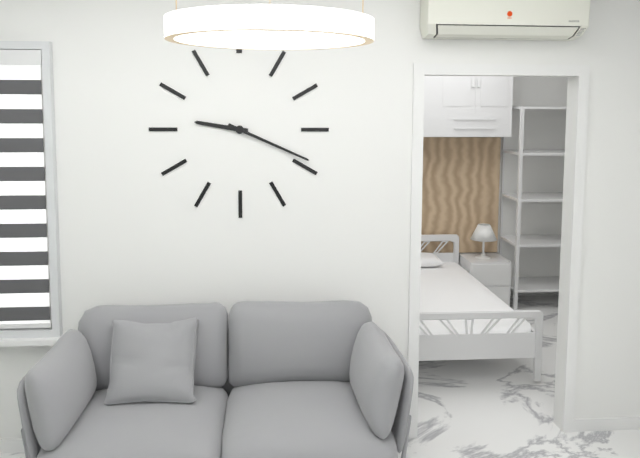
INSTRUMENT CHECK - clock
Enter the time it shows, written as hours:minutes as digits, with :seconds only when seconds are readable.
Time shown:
9:19
